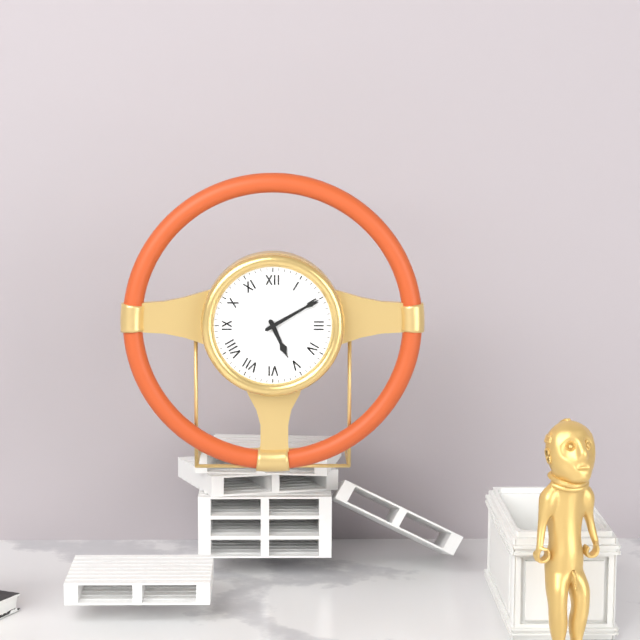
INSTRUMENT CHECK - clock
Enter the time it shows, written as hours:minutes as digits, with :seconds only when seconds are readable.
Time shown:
5:10
